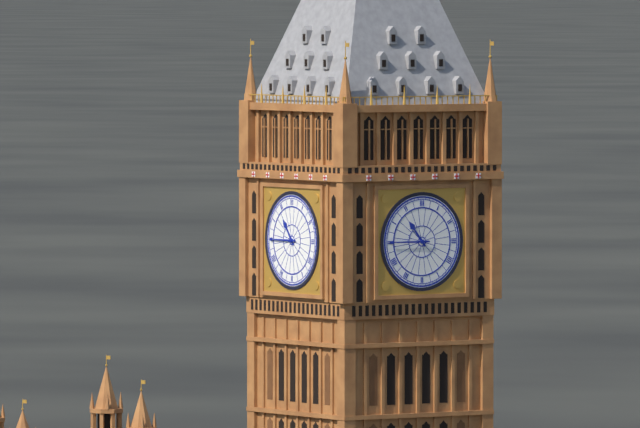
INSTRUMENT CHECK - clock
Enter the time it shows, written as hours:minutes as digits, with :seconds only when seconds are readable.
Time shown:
10:45
